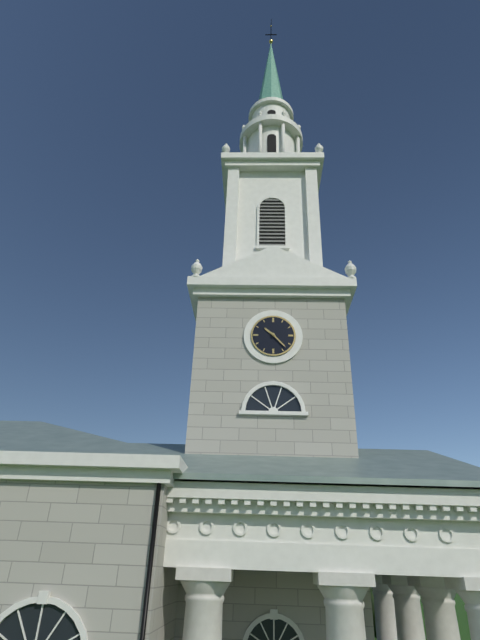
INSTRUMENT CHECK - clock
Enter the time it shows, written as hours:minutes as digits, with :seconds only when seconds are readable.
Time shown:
10:23
